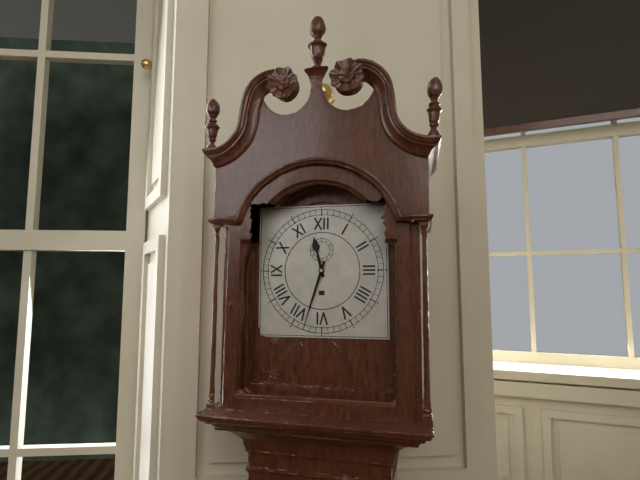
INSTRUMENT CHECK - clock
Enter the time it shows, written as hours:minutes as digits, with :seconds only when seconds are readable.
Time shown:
11:33
